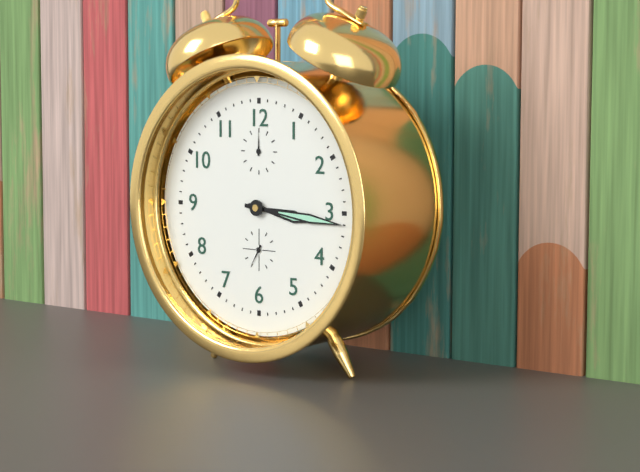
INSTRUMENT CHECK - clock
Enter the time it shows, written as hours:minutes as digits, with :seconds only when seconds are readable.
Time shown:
3:16
